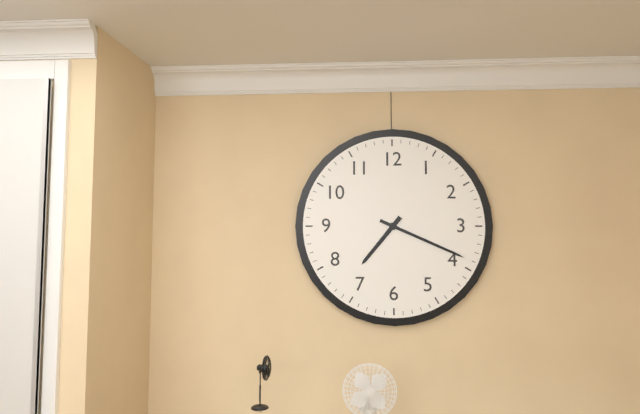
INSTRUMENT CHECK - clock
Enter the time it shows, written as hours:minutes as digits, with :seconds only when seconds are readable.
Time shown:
7:19
